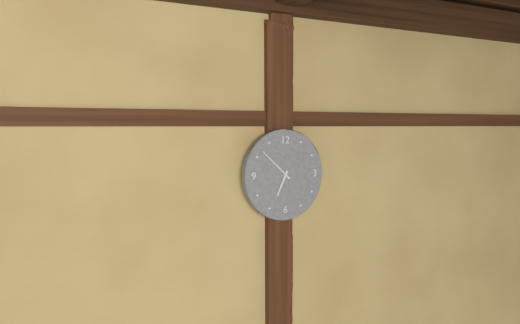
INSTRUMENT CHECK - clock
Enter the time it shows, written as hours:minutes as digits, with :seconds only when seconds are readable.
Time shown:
6:52
